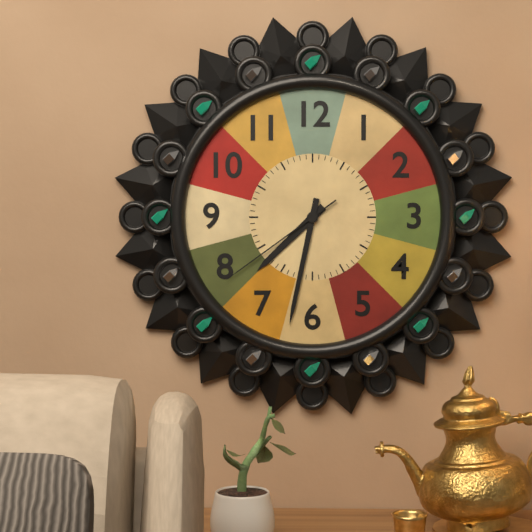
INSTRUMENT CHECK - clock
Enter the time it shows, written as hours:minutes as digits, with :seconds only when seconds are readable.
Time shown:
7:32:39
